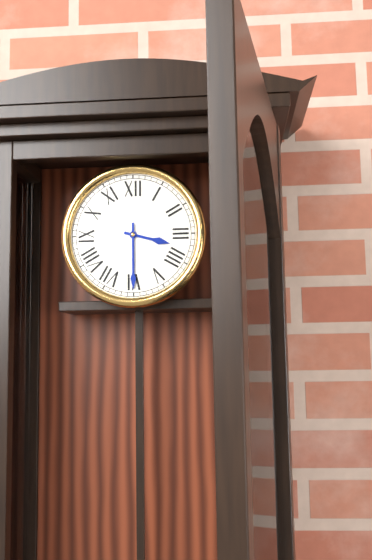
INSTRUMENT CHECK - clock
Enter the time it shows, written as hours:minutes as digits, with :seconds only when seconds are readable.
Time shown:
3:30
